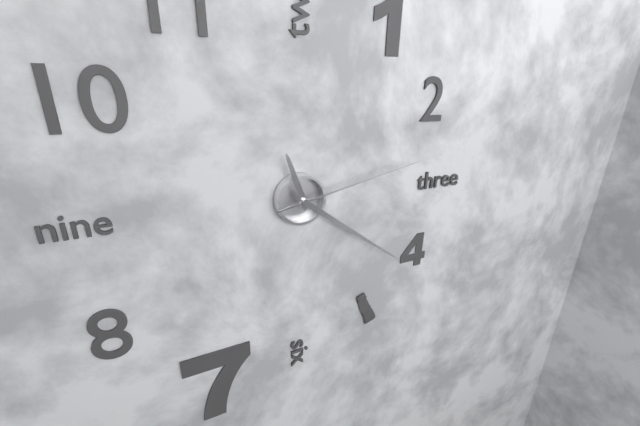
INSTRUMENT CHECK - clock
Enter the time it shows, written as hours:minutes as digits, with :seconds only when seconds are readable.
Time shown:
11:21:13
